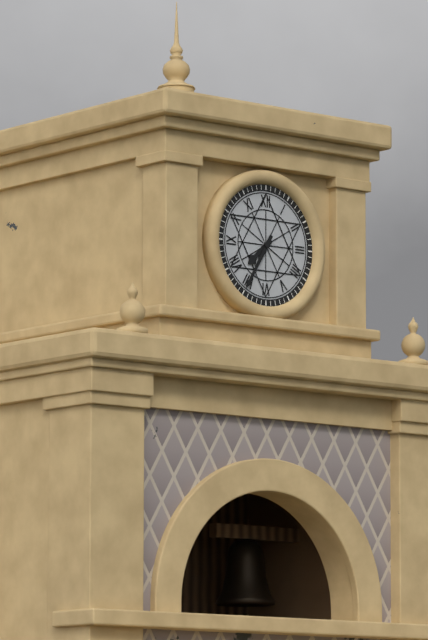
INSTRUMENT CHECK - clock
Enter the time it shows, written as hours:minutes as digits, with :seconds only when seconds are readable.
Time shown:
7:35
